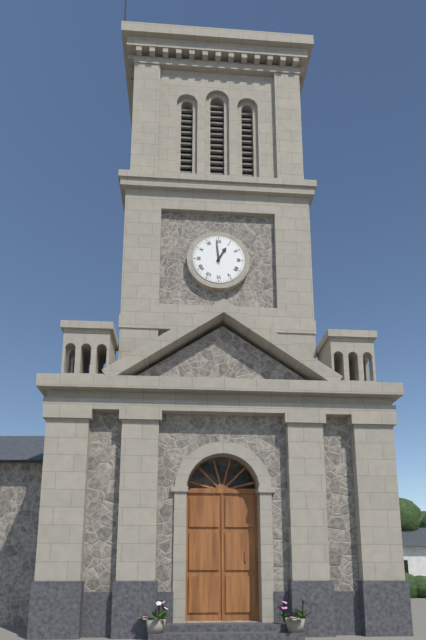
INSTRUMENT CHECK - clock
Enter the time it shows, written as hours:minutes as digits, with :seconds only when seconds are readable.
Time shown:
12:59
